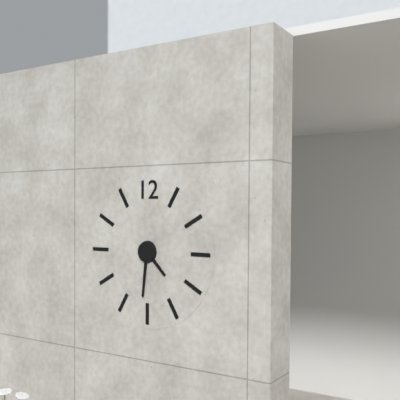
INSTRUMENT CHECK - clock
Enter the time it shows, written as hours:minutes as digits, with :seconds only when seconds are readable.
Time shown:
4:31
